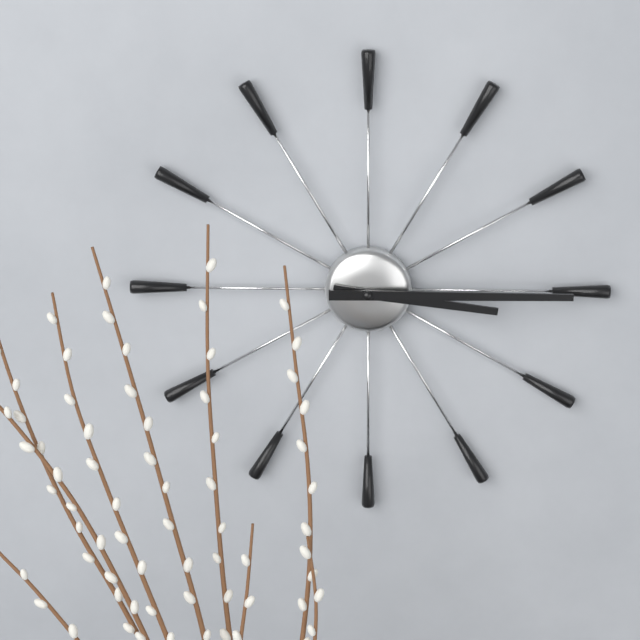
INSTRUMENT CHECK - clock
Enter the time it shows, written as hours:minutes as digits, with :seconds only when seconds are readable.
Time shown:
3:15
